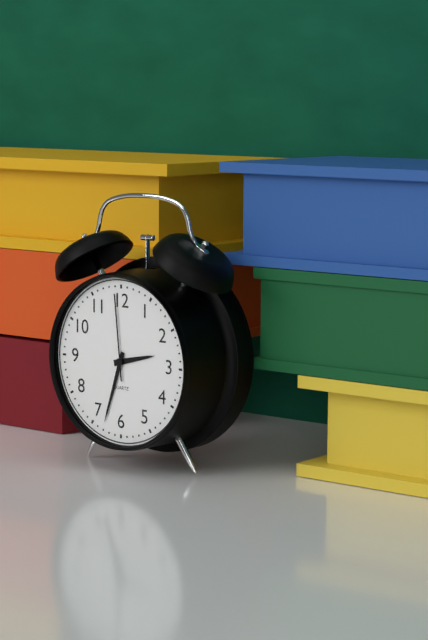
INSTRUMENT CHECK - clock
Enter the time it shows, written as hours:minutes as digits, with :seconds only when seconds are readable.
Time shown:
2:33:59
